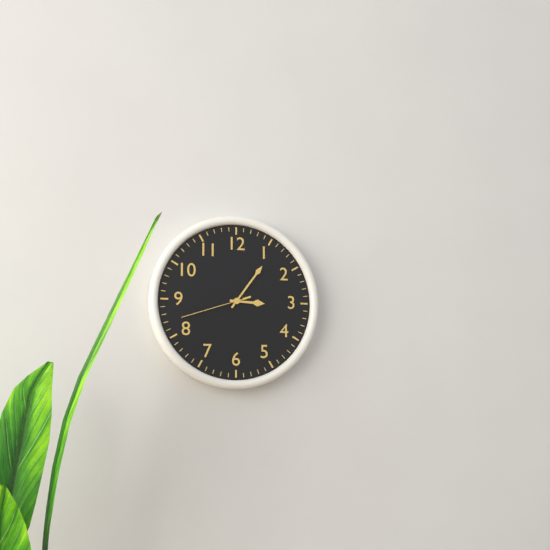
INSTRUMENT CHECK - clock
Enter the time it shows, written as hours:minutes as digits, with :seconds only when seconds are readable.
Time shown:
3:06:42
